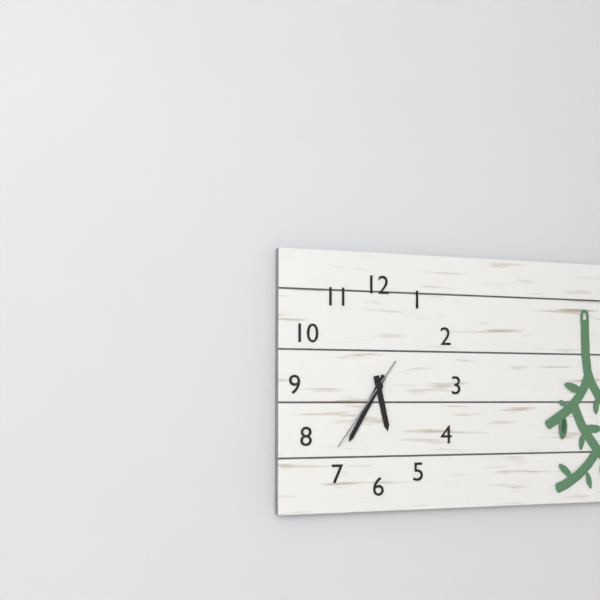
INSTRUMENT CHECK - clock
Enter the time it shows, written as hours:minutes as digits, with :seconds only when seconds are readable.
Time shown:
5:35:36
